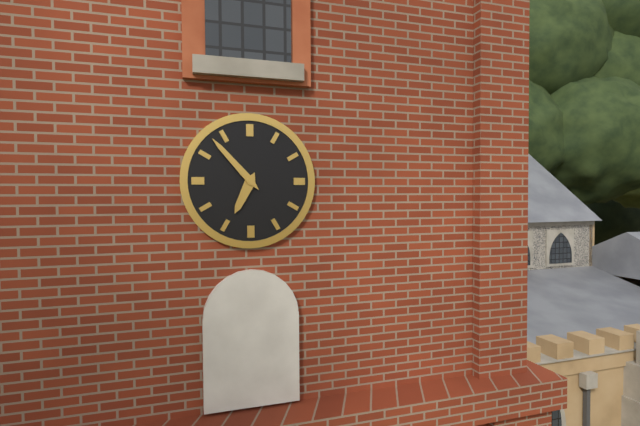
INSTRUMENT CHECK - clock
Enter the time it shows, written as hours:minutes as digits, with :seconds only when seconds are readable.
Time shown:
6:53
